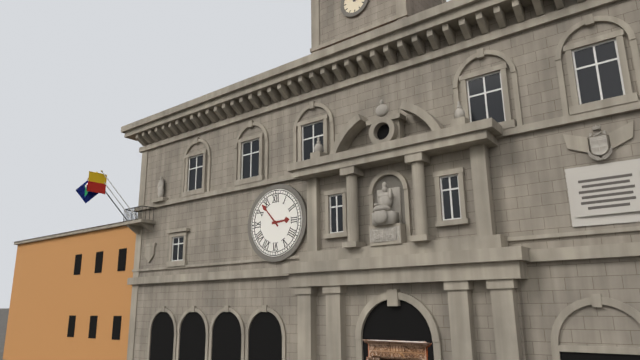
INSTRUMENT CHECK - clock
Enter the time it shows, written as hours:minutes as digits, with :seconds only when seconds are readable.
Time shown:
2:53
